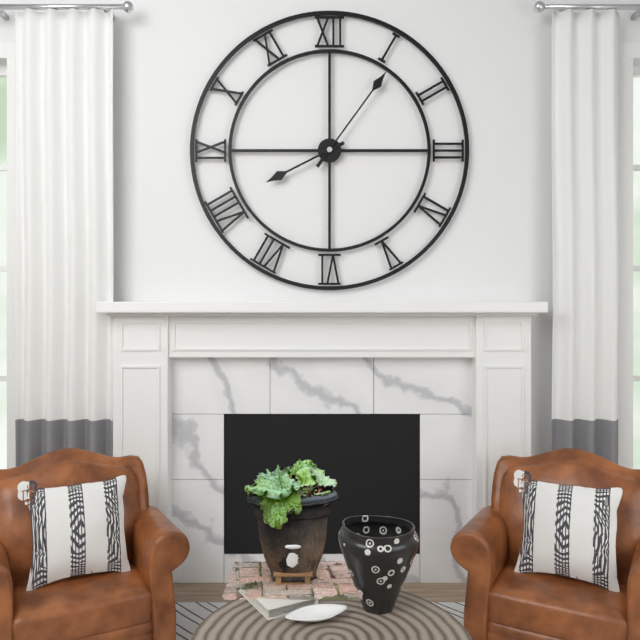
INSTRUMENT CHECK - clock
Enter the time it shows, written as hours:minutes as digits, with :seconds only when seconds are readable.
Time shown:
8:06
